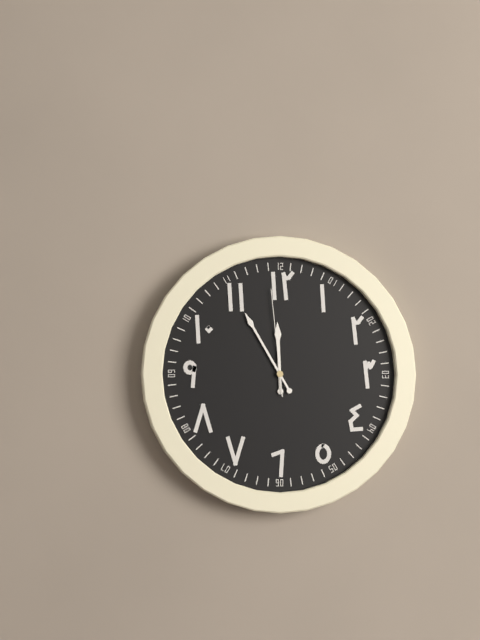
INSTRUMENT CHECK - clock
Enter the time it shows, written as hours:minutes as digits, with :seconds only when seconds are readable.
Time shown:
11:55:59
